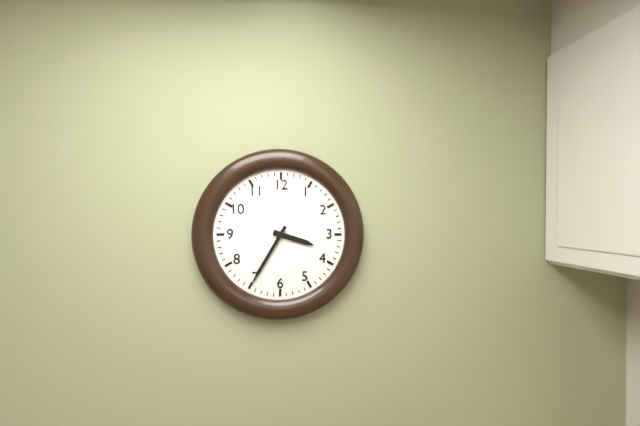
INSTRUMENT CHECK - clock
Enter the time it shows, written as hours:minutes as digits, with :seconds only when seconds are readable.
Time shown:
3:35
